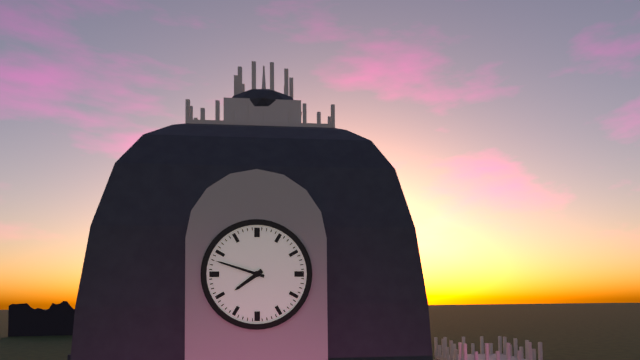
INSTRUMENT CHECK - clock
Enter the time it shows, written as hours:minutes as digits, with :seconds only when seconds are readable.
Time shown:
7:48
